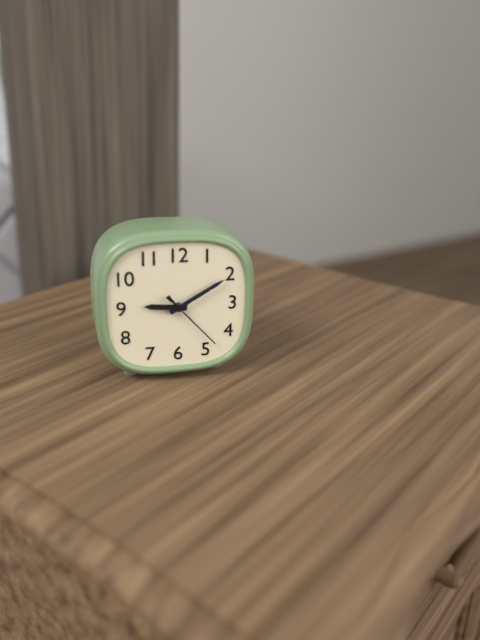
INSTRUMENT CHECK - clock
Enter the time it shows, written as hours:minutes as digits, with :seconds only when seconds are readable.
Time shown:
9:10:23
